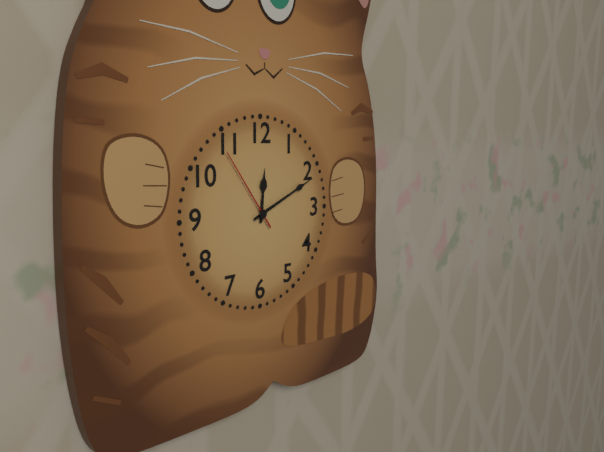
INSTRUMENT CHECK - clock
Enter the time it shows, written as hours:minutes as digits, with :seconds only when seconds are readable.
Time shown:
12:11:54
